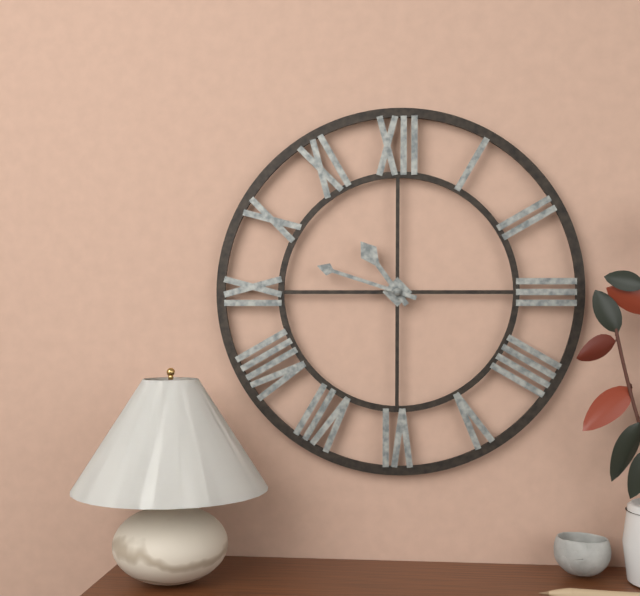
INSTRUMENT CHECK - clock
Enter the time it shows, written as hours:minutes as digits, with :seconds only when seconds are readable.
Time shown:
10:48
